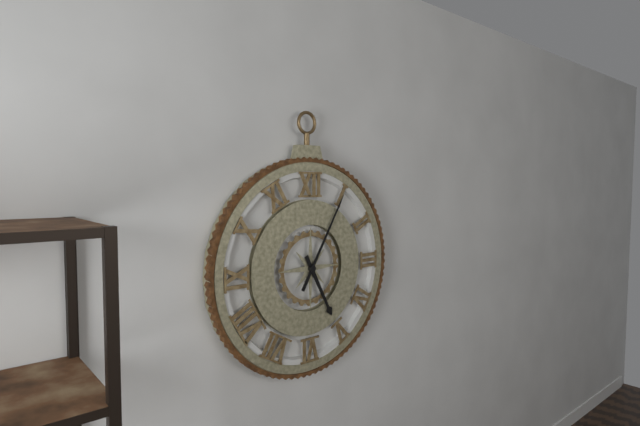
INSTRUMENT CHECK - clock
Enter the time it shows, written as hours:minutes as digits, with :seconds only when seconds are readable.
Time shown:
5:05
